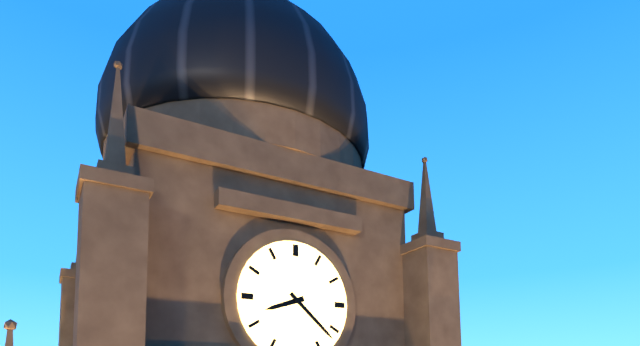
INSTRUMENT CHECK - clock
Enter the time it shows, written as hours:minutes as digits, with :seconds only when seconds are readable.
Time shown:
8:22
